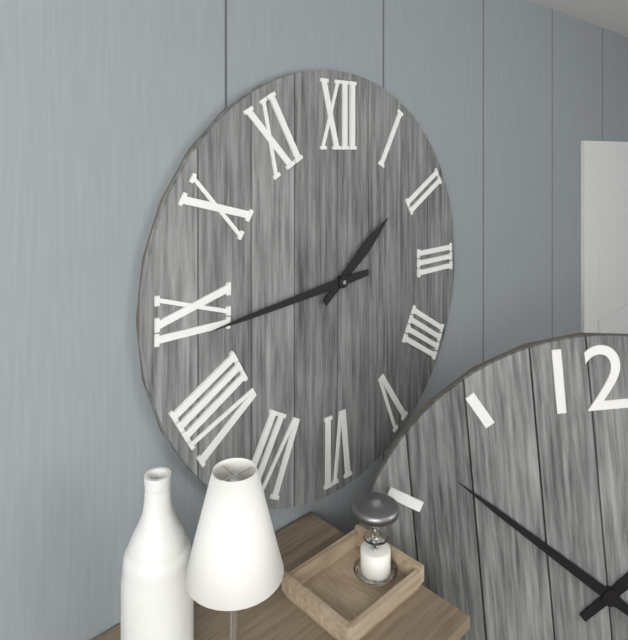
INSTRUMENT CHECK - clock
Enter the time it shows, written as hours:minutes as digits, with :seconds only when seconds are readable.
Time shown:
1:44
